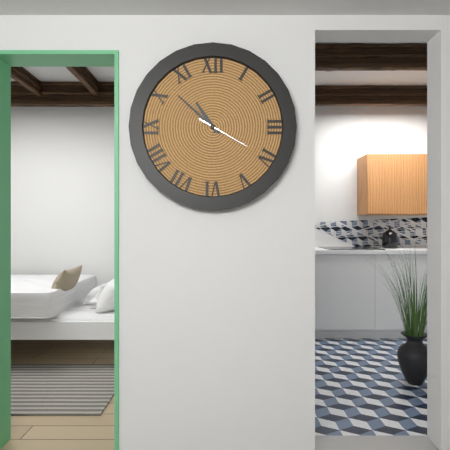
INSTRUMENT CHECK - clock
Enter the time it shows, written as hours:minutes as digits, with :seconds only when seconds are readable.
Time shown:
10:52
